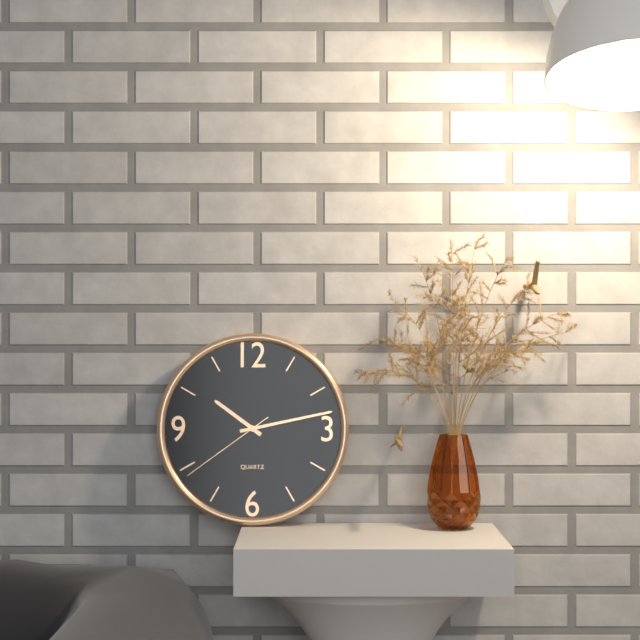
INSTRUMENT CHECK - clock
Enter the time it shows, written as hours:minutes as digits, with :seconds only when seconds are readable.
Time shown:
10:13:39
